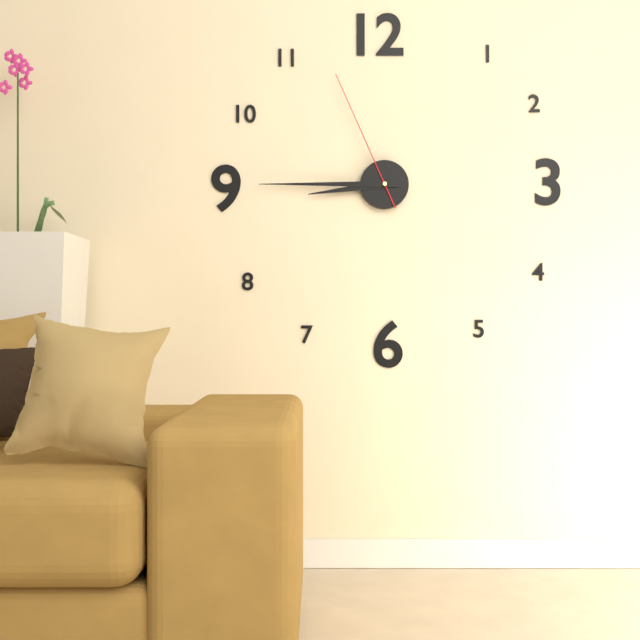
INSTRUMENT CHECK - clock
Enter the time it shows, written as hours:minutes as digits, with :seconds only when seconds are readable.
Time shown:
8:45:56
